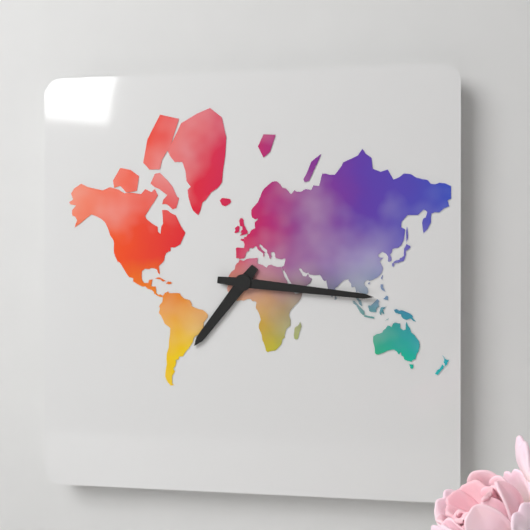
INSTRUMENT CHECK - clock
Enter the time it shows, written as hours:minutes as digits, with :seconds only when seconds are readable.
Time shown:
7:16
